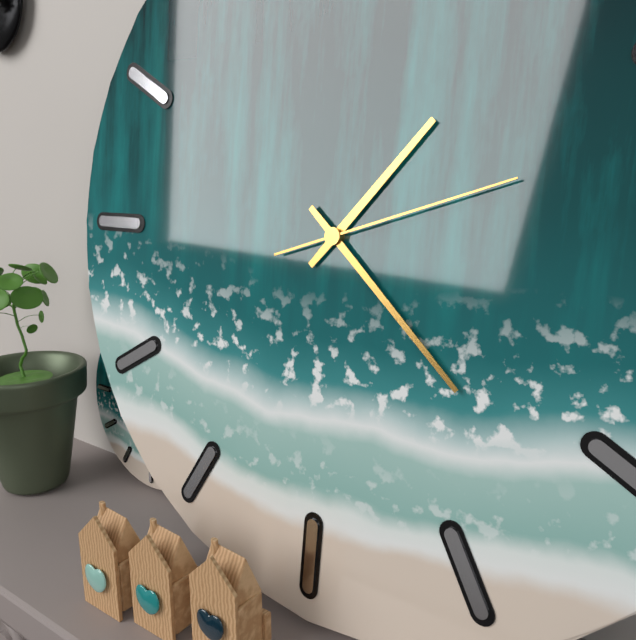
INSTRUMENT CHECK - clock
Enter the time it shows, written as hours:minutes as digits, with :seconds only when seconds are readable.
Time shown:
1:22:12
